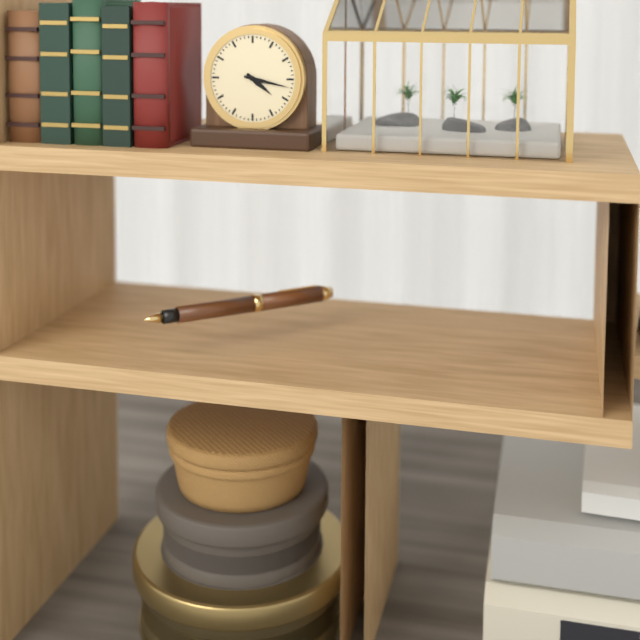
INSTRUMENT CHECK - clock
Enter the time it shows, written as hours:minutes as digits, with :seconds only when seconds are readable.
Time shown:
4:17
